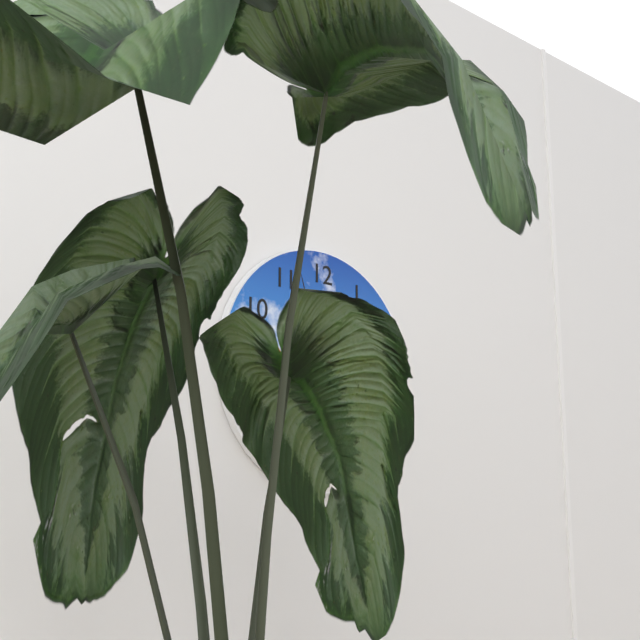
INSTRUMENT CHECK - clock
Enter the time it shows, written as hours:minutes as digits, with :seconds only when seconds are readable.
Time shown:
2:31:57
